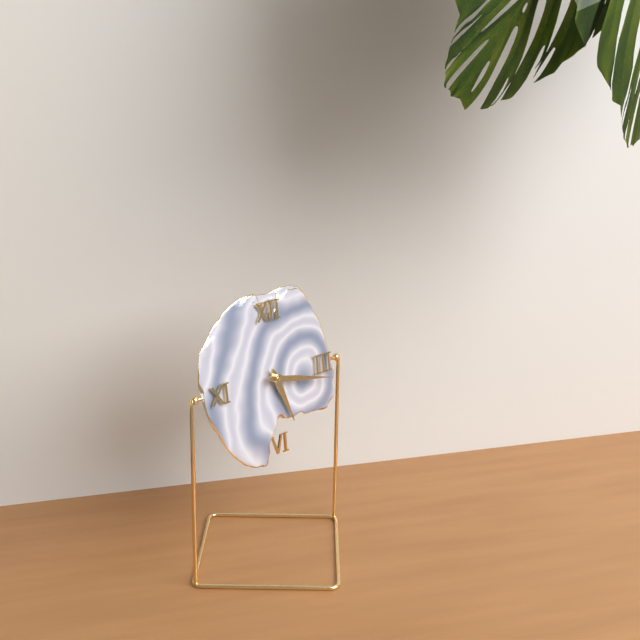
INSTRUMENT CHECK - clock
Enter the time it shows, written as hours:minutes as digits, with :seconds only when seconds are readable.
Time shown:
5:17
